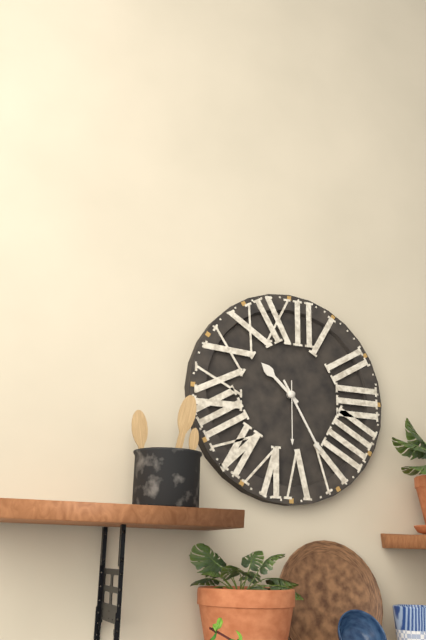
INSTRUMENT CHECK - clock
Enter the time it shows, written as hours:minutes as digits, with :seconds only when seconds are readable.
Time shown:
10:25:30
